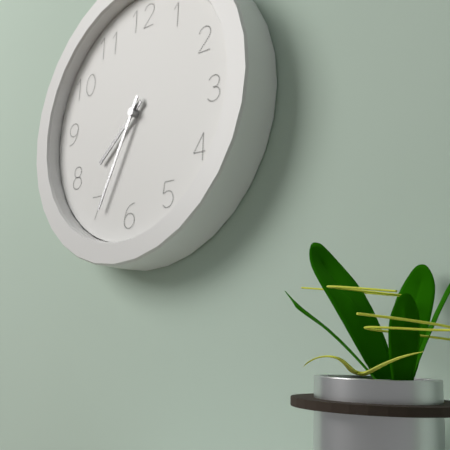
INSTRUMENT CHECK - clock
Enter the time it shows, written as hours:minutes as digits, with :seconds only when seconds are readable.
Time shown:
7:34
